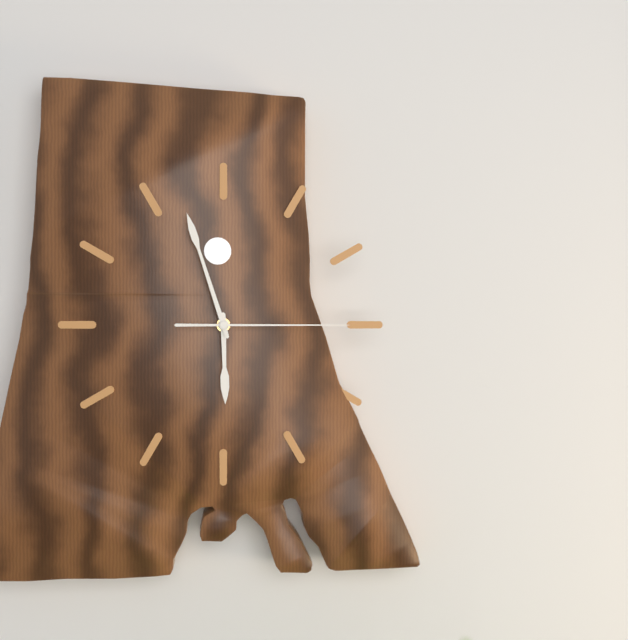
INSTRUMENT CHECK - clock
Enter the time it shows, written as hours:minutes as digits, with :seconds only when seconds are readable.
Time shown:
5:57:15
